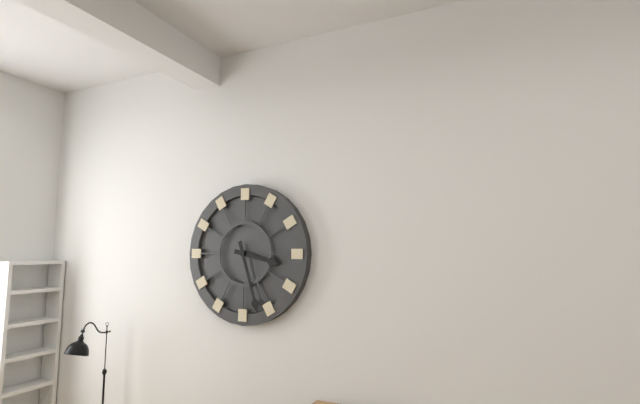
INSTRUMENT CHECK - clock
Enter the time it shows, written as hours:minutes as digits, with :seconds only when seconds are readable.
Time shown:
3:27
